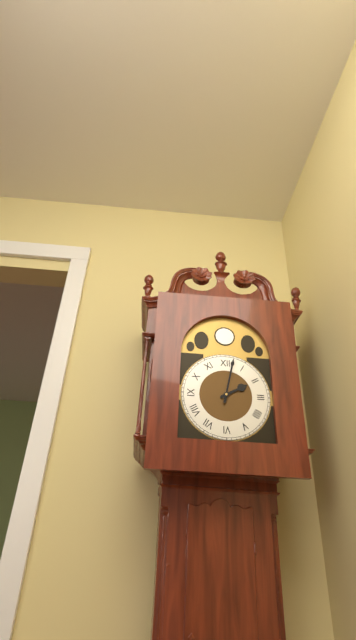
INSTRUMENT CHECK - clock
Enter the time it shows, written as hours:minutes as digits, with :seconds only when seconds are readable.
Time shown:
2:02
